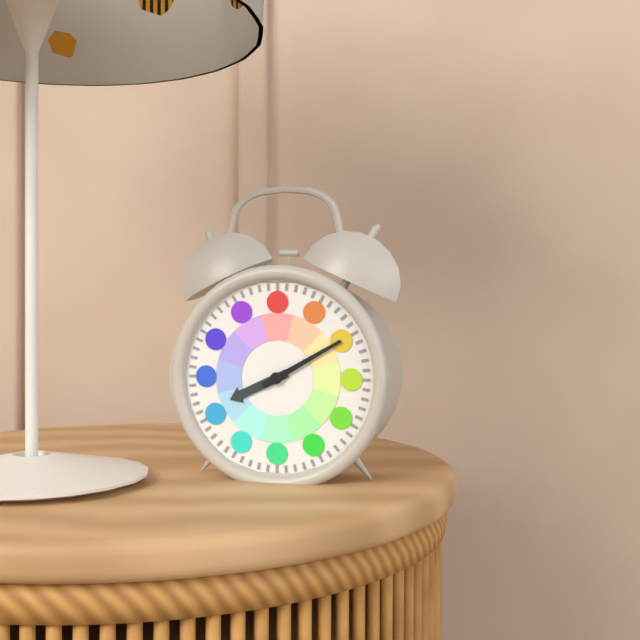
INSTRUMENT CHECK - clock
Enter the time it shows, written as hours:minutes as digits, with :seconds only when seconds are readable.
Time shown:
8:10
